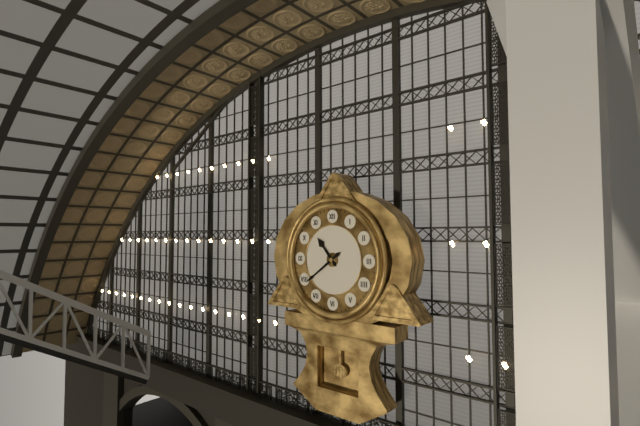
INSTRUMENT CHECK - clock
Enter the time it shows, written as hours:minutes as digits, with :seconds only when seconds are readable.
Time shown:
10:39
